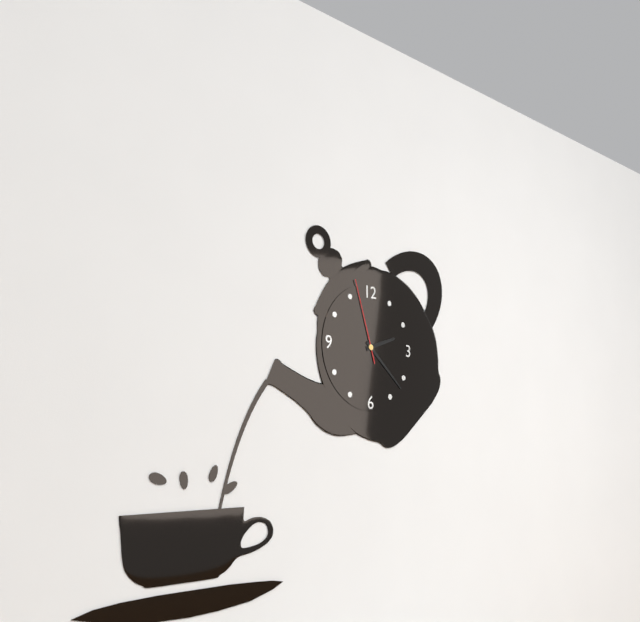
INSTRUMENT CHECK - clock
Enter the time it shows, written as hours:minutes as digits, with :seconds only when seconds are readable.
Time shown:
2:22:57
